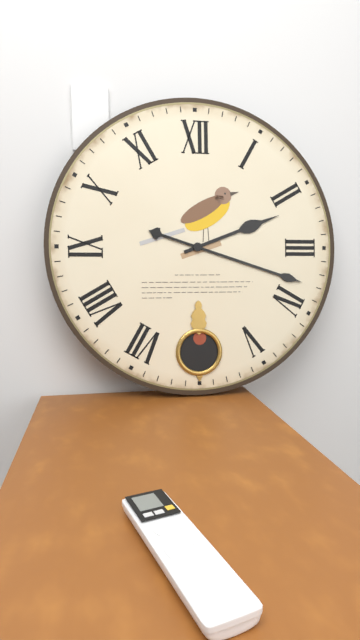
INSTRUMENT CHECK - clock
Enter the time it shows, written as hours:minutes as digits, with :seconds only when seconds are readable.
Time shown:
2:18
